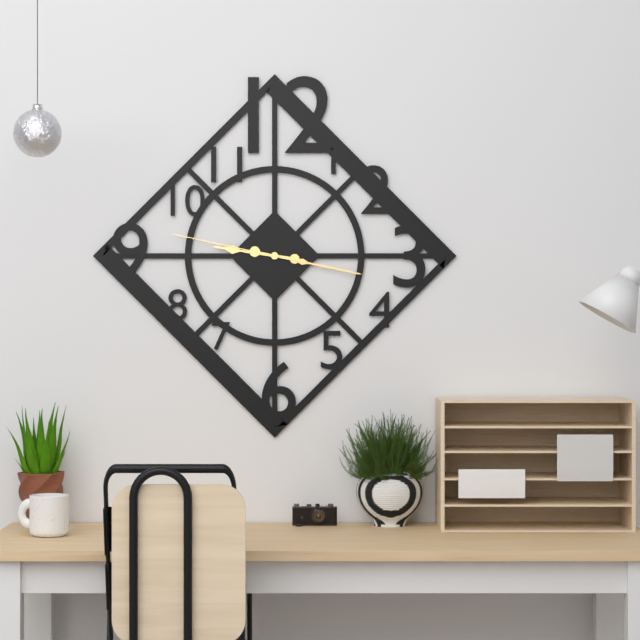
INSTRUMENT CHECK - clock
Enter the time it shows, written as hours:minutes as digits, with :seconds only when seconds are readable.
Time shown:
9:17:47
